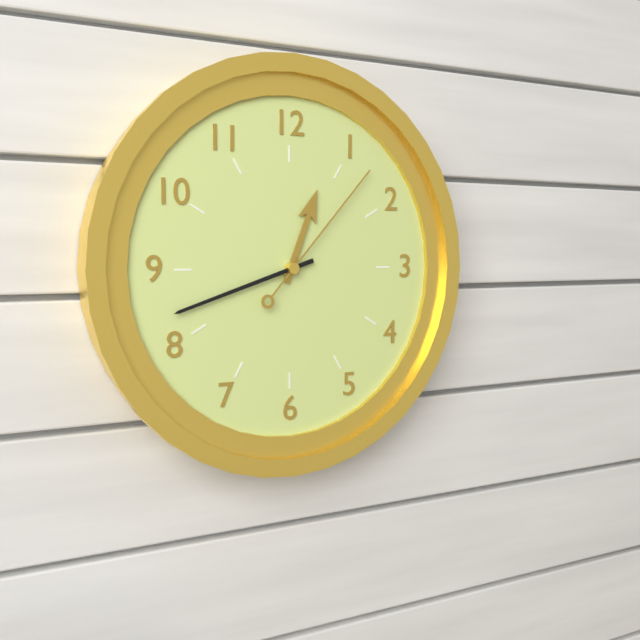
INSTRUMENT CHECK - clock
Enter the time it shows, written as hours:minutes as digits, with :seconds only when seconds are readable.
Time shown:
12:42:07
